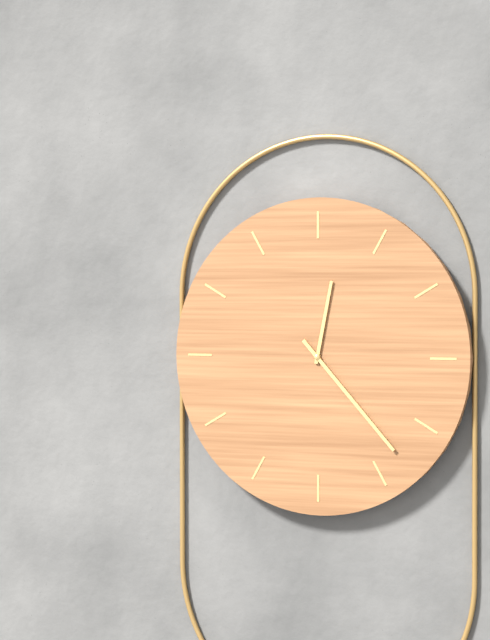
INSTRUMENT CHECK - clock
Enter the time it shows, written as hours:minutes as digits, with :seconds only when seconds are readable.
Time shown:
12:23
